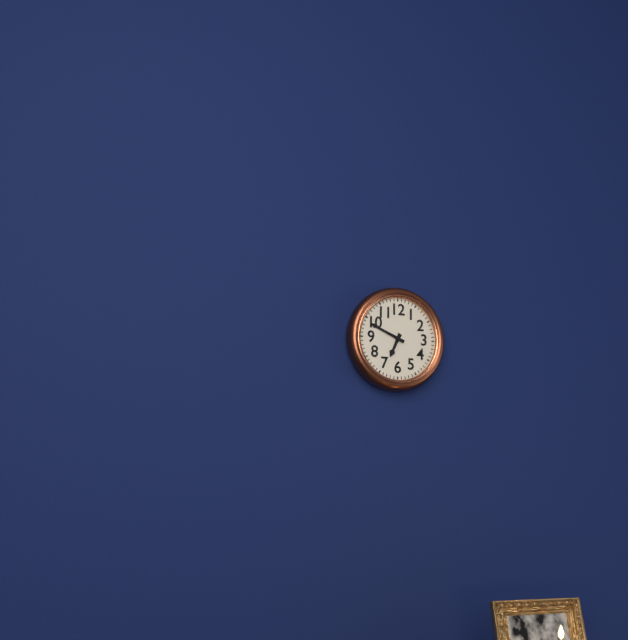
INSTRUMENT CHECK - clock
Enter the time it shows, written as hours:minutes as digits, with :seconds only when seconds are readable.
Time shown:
6:49
